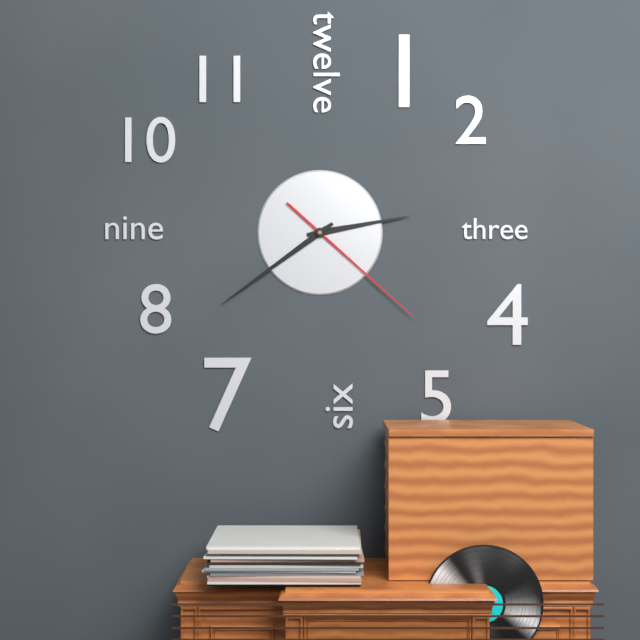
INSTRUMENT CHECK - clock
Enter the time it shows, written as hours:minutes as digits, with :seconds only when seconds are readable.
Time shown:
2:39:22
